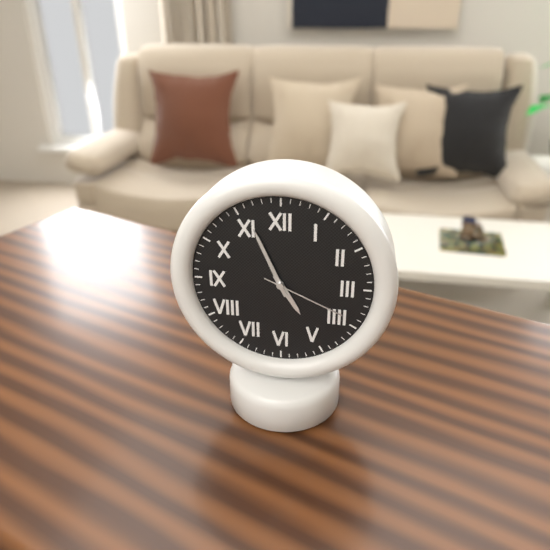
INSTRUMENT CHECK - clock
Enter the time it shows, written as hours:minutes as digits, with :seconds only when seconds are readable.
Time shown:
4:56:19
